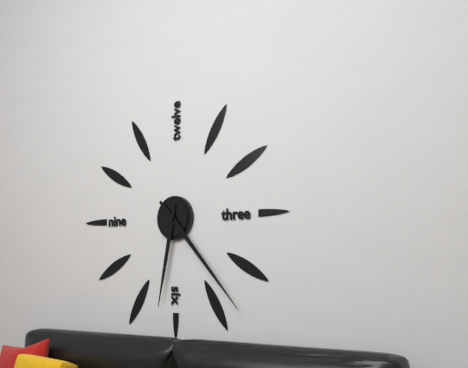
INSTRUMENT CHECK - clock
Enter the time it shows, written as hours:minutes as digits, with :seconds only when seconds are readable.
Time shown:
6:23
